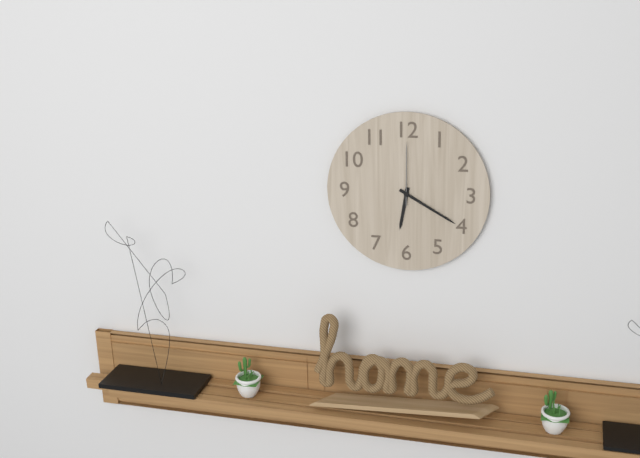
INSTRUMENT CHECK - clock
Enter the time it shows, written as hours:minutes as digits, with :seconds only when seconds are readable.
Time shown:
6:20:00
